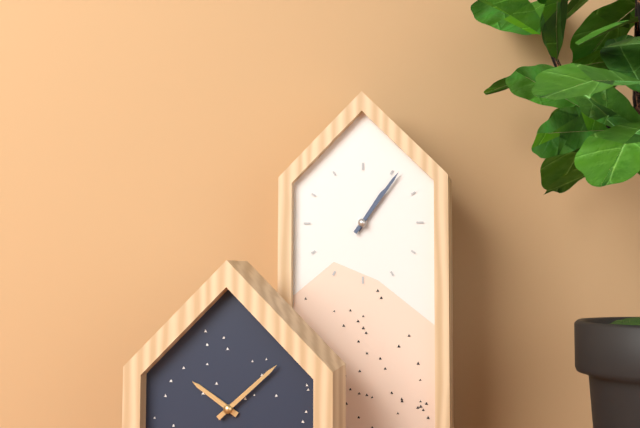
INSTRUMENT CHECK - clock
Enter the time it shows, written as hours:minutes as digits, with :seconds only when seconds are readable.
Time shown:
1:06
